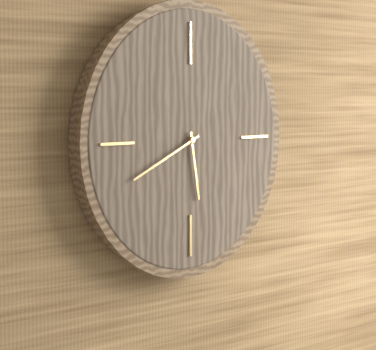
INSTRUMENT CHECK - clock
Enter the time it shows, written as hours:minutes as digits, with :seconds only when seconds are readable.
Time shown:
5:41
